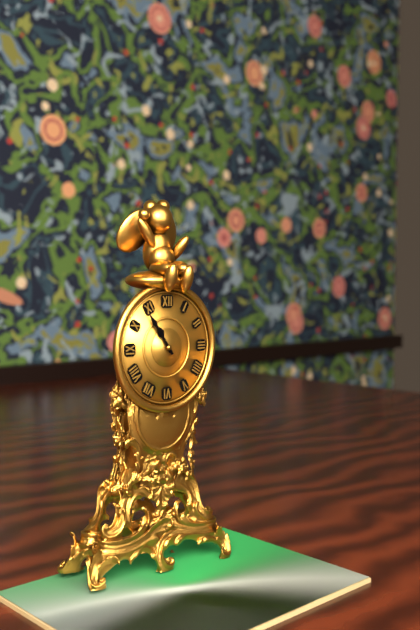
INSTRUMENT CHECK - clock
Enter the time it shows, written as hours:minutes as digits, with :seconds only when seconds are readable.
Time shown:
10:54
